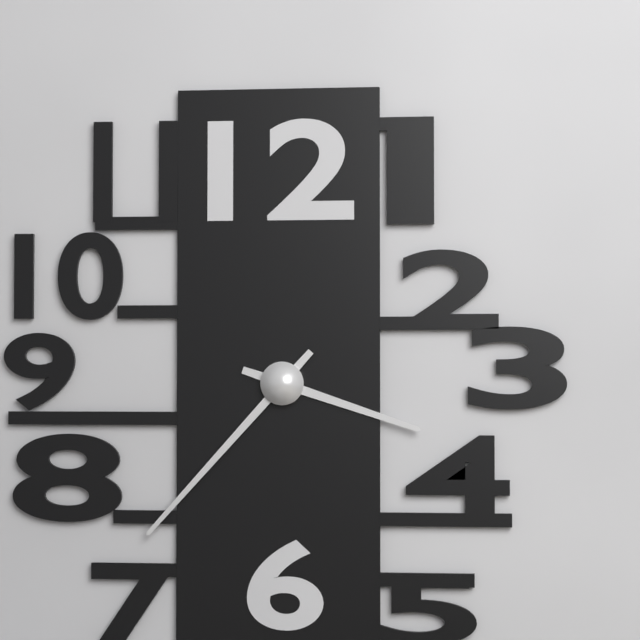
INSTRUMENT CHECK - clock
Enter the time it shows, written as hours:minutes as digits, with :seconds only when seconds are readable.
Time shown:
3:37
